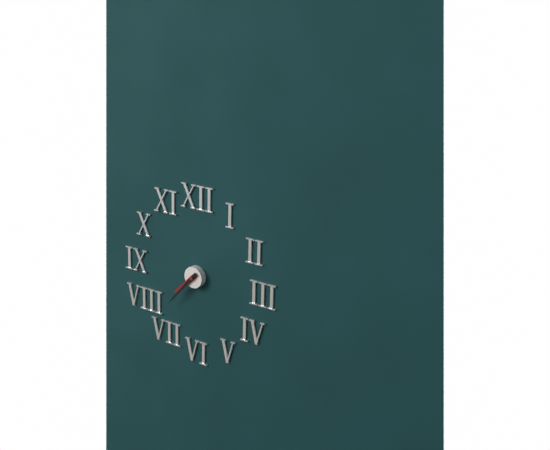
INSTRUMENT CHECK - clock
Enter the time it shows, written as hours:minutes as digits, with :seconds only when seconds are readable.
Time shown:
7:37
